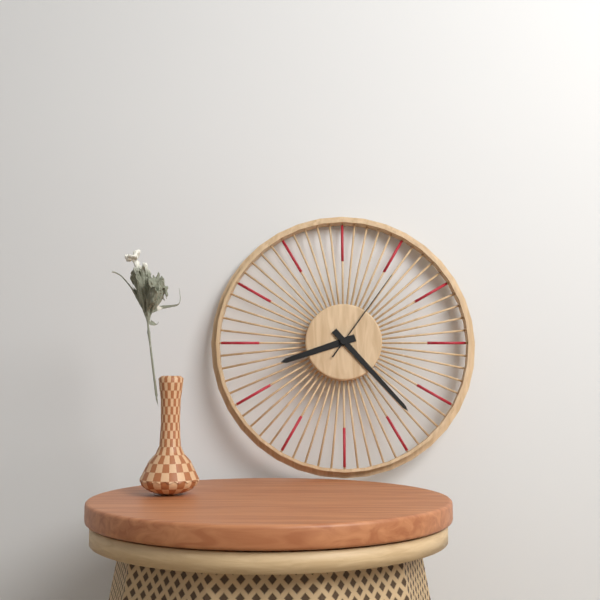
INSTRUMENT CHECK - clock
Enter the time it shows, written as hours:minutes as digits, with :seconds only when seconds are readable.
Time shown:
8:23:06
